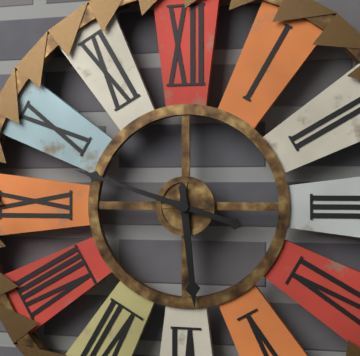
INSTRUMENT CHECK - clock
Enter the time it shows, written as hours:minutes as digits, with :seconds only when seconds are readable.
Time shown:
5:48
